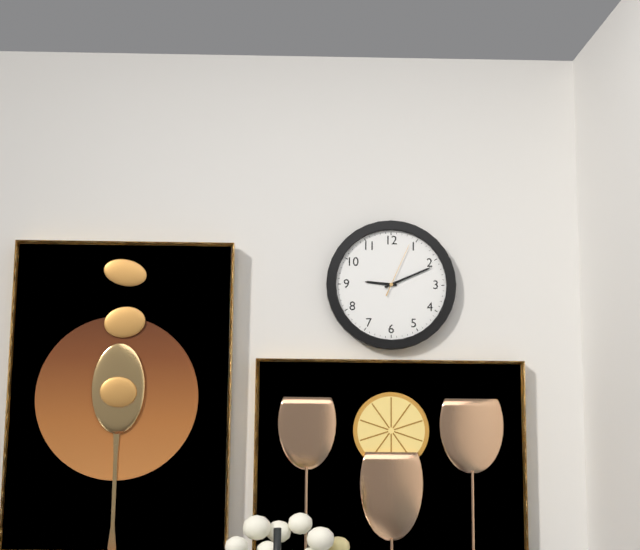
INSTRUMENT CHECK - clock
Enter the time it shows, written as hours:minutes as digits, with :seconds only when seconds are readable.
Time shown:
9:11:04
